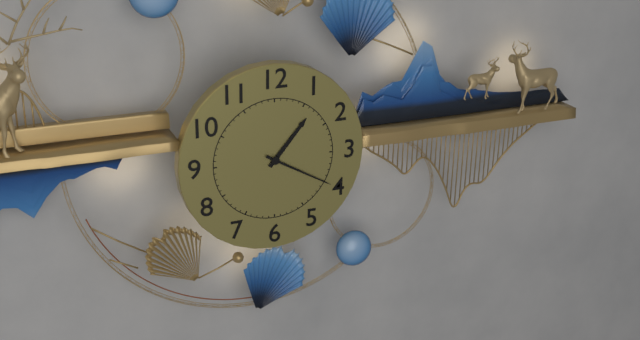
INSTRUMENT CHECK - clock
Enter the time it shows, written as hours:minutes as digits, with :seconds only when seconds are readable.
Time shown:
1:20
